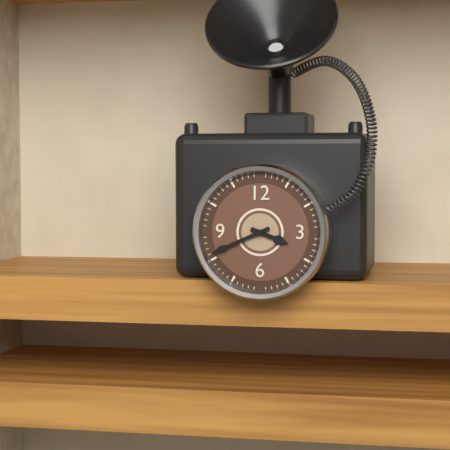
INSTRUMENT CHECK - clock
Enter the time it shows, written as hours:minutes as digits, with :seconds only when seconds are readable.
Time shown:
3:41
